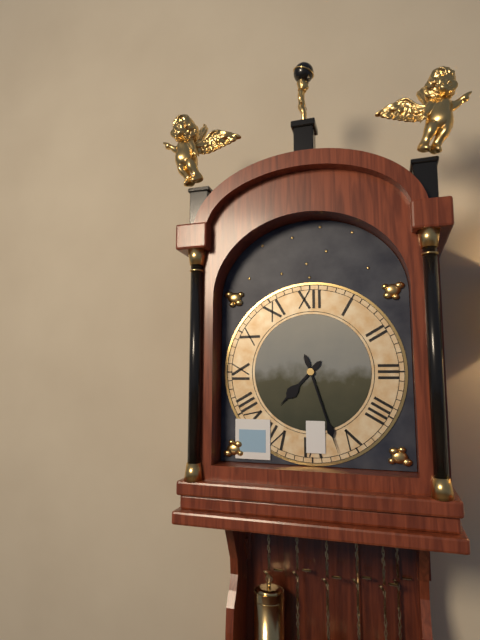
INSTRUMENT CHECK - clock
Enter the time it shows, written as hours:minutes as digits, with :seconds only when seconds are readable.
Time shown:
7:27
